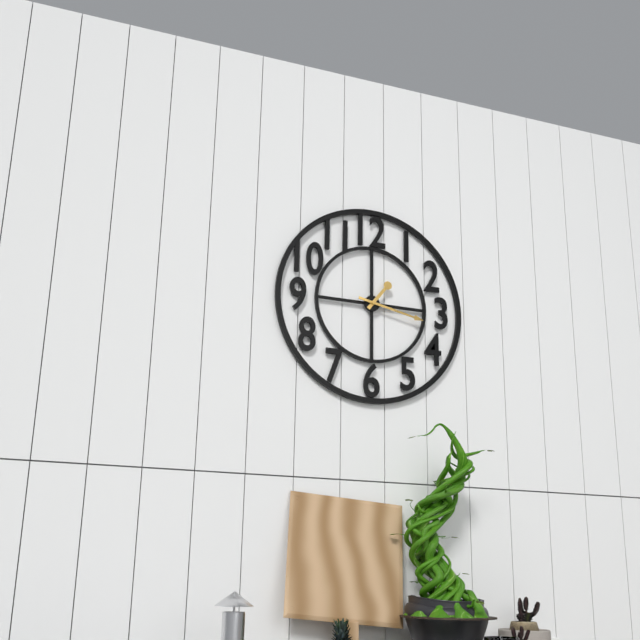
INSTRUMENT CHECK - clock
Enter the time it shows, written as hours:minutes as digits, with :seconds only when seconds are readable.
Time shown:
1:17
